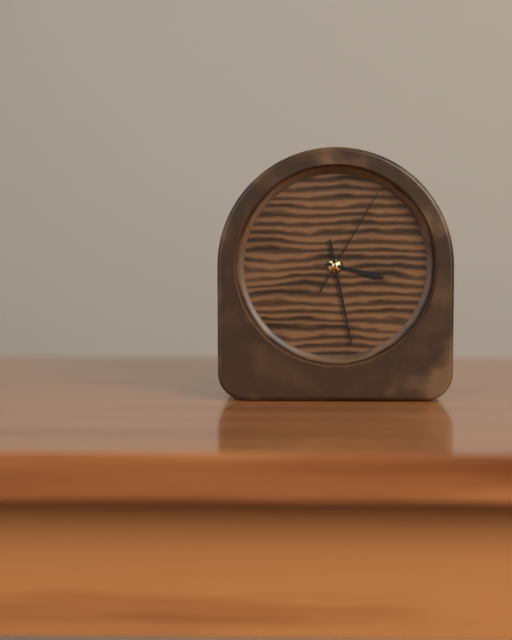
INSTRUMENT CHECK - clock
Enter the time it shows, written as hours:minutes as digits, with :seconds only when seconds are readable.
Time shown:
3:28:05
